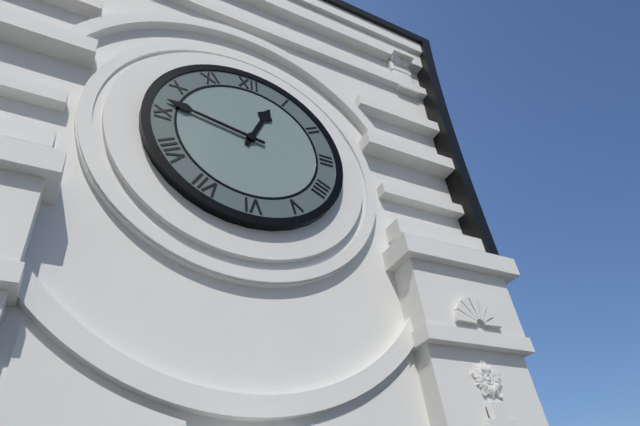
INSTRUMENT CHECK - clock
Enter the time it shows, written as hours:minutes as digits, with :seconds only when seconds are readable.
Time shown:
12:47
